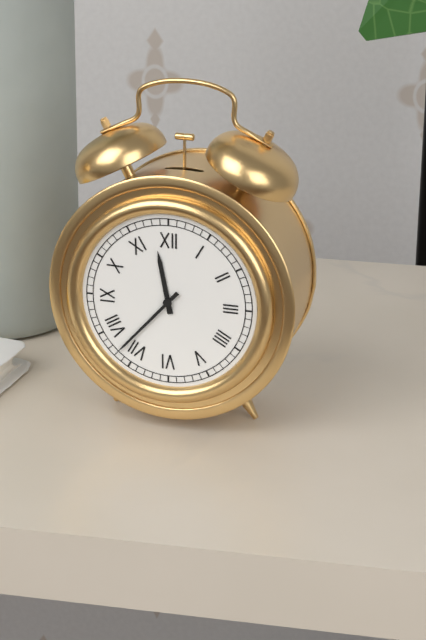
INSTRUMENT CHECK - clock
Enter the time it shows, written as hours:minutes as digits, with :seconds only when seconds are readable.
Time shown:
11:37
